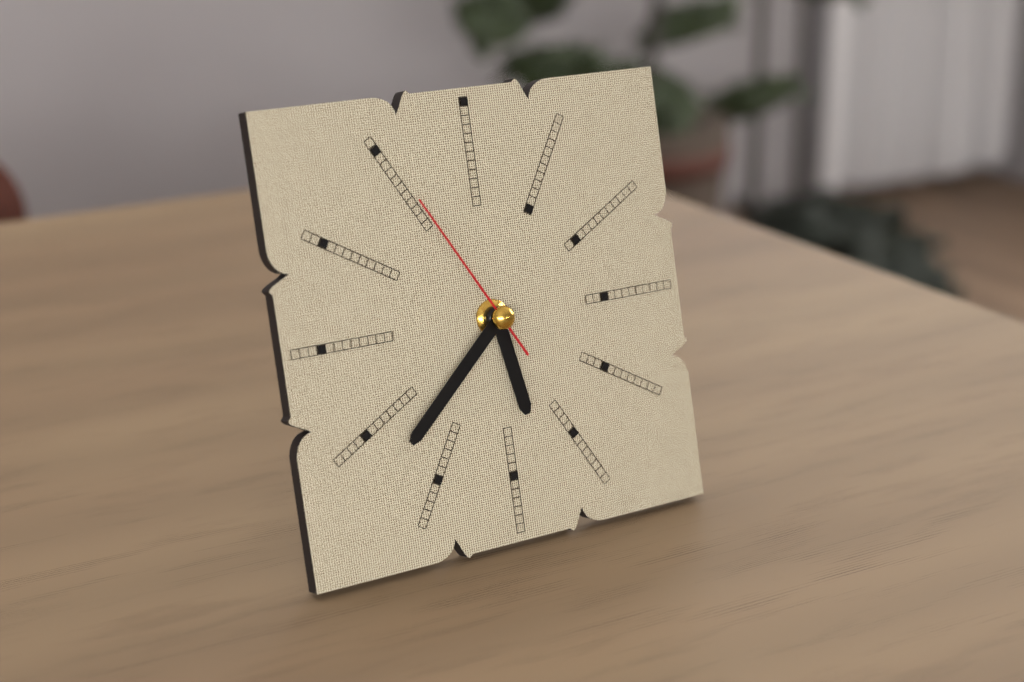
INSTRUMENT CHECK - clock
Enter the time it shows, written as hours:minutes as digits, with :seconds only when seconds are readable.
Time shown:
5:38:55
